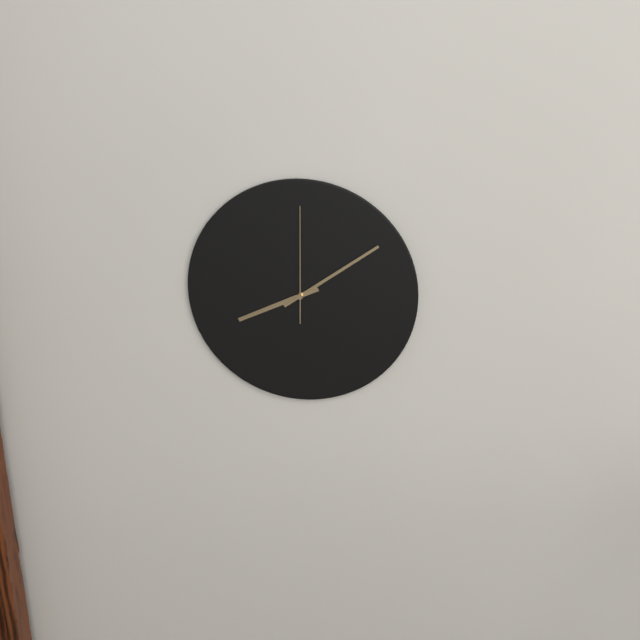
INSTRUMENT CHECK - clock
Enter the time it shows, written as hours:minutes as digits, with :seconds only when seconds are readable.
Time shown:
8:09:00
